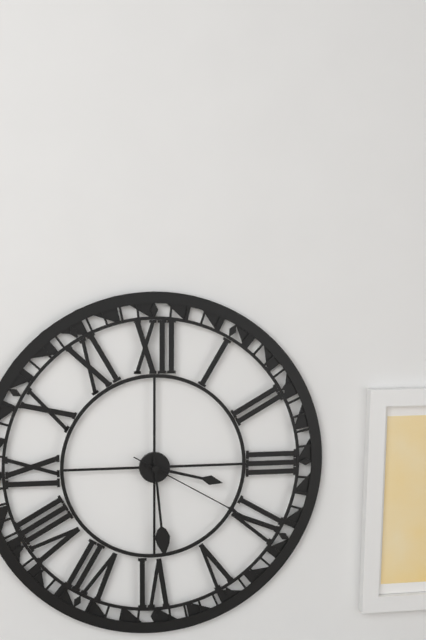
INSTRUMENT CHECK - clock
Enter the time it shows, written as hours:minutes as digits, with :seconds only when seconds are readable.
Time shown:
3:29:20
